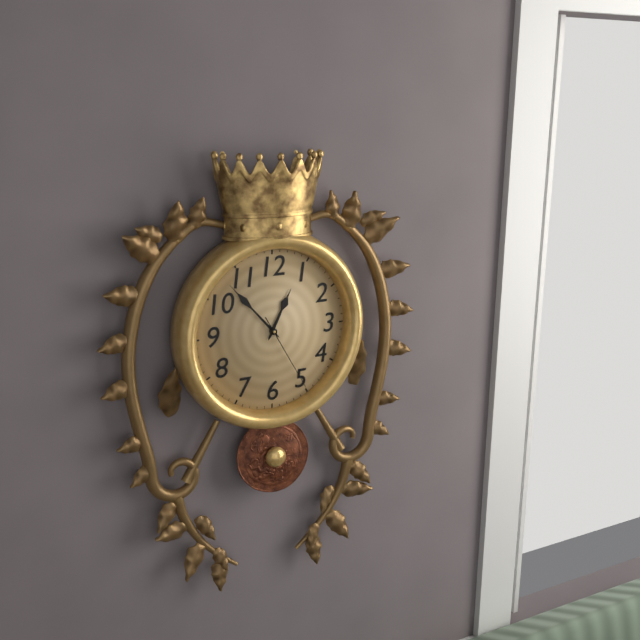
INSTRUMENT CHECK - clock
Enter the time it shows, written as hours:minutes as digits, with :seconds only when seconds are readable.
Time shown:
12:53:25
